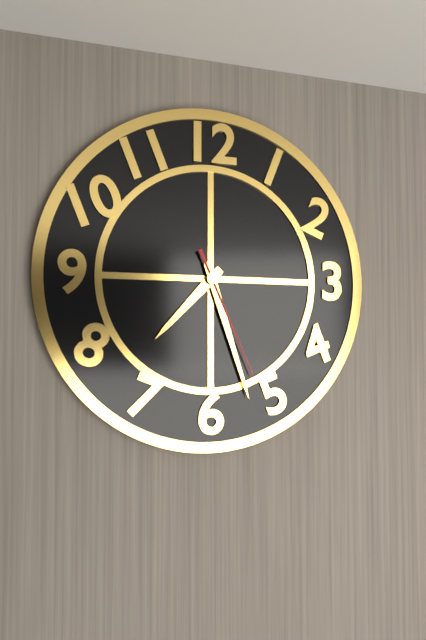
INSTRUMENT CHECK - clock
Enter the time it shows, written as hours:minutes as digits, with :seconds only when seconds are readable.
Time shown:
7:27:26
